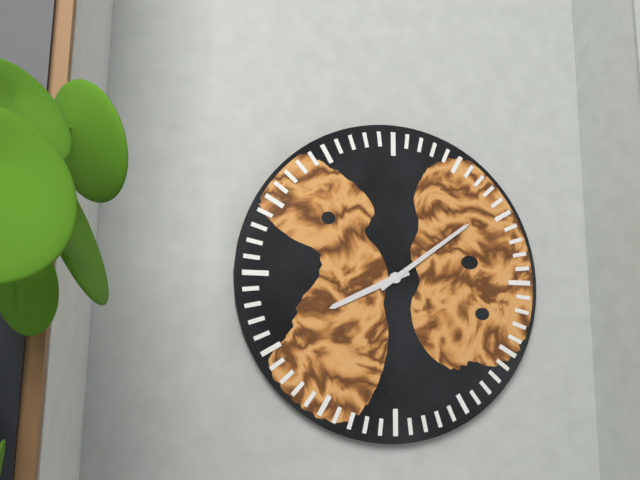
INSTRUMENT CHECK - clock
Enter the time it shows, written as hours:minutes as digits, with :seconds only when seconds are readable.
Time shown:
8:09
